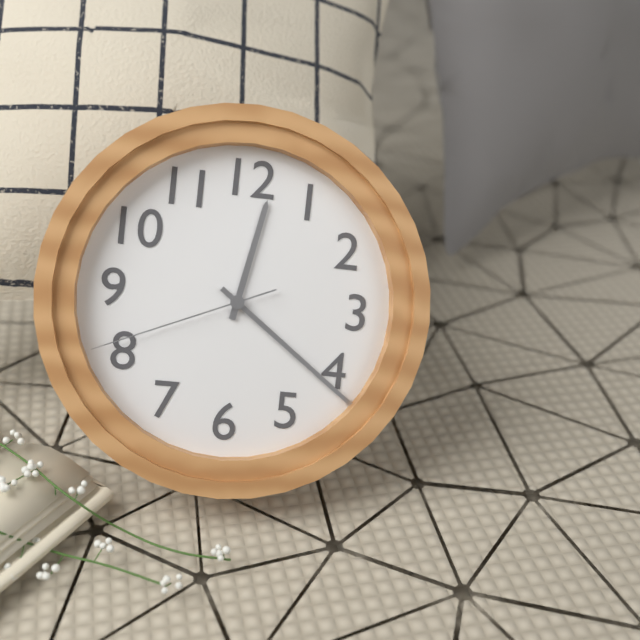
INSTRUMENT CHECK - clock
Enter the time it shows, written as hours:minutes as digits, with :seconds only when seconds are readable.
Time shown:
12:21:41
